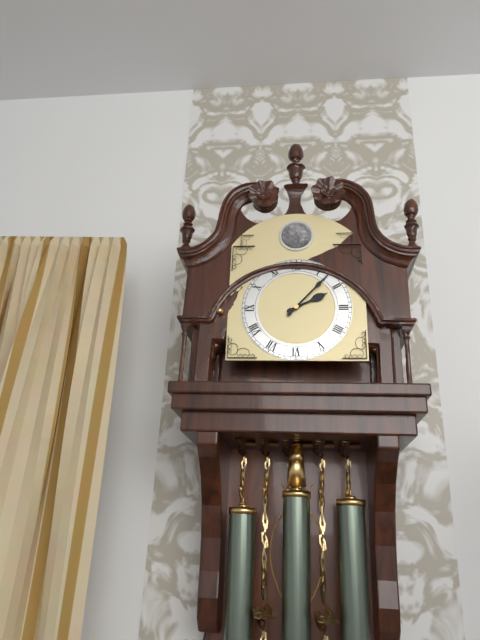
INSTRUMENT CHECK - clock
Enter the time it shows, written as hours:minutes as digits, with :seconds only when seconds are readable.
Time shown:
2:07
